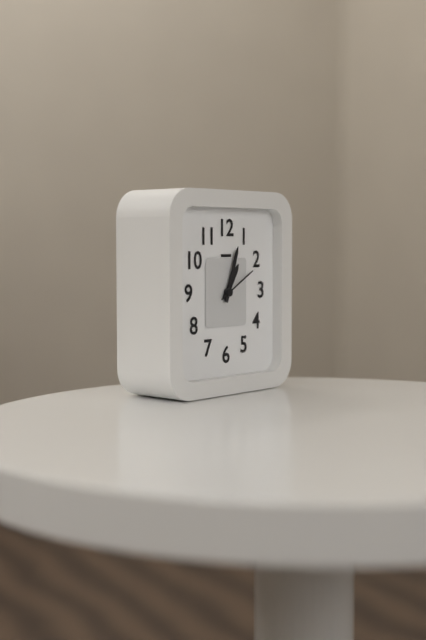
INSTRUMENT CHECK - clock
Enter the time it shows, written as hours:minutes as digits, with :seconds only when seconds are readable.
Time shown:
1:03
